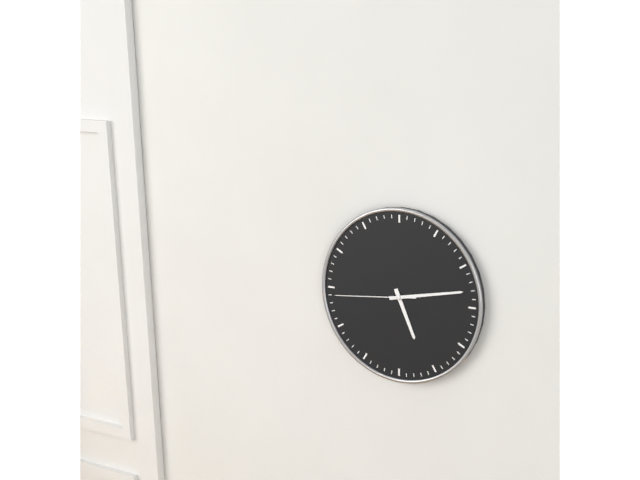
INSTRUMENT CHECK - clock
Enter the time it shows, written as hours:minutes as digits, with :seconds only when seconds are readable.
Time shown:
5:13:44
